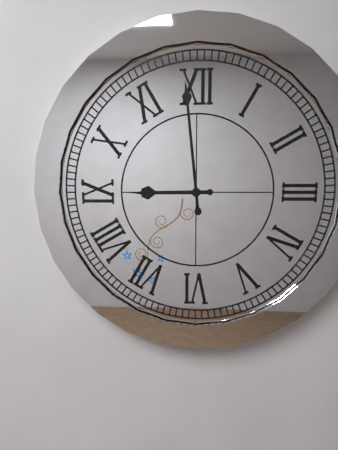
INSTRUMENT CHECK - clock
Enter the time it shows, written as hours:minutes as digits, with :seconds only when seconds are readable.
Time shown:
8:59
